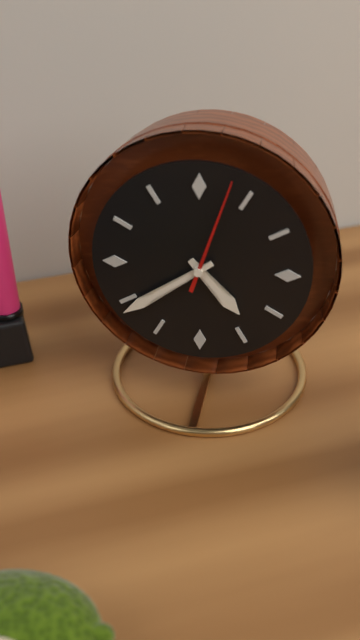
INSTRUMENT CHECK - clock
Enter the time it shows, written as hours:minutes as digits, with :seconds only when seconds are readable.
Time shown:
4:39:03
